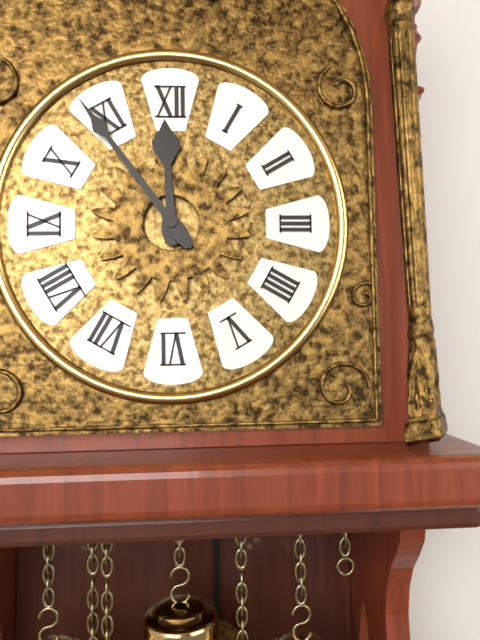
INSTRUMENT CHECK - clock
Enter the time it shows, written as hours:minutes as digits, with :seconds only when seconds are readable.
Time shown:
11:54
